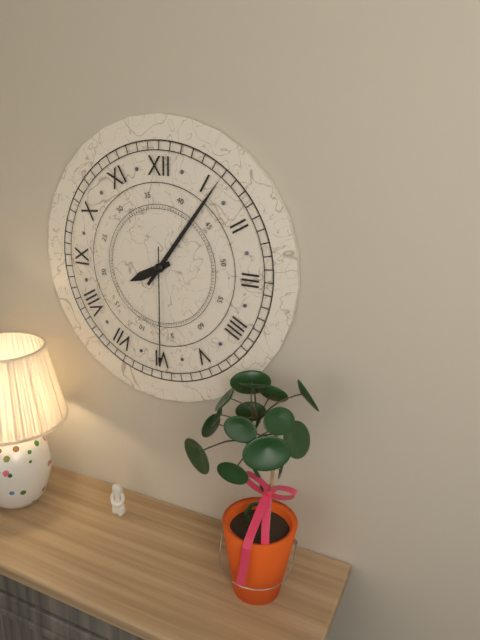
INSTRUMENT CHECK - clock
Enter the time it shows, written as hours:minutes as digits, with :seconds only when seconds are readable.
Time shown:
8:06:30
